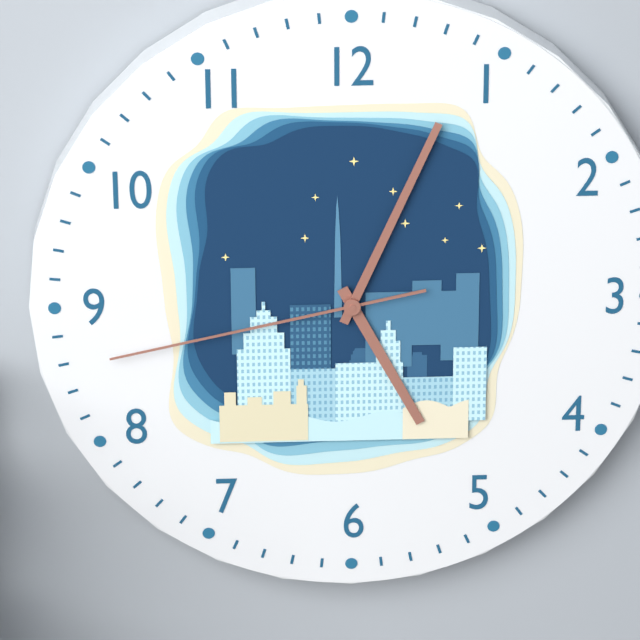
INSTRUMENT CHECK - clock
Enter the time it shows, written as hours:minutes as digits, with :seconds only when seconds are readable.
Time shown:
5:04:43
